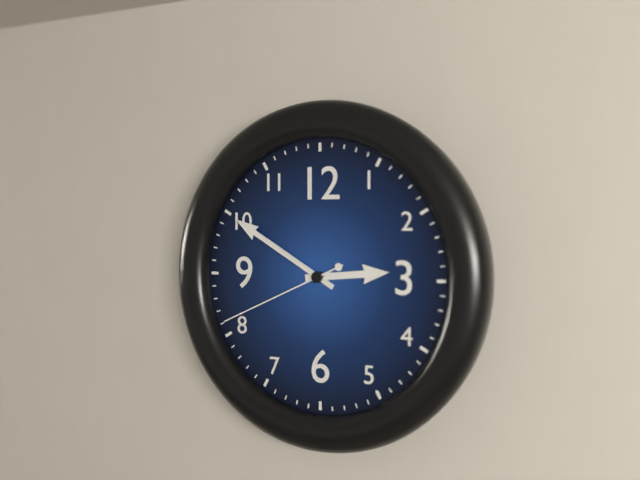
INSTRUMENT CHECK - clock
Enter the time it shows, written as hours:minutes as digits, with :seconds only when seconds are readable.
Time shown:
2:50:41
